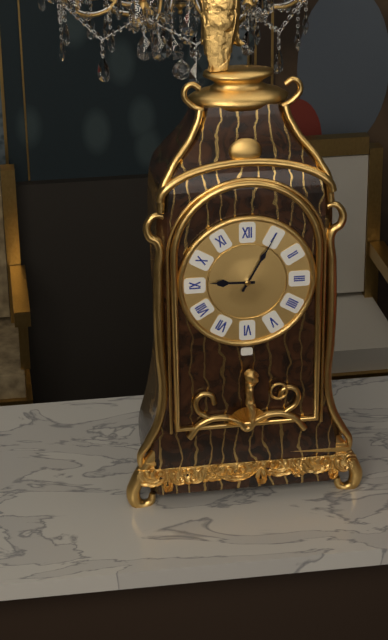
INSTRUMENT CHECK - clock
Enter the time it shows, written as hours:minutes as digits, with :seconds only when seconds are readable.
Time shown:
9:05
